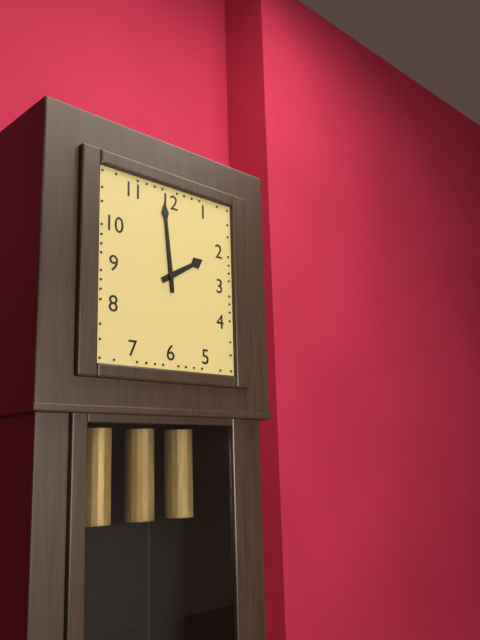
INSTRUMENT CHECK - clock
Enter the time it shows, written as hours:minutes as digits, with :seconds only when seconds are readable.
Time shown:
1:59
